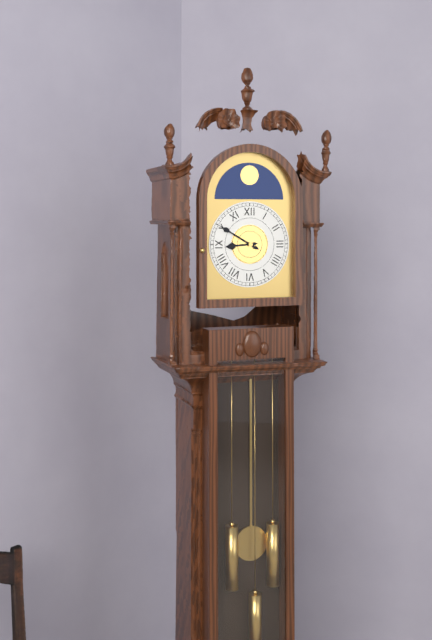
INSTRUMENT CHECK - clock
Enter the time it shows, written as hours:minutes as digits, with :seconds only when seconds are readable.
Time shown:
8:50
